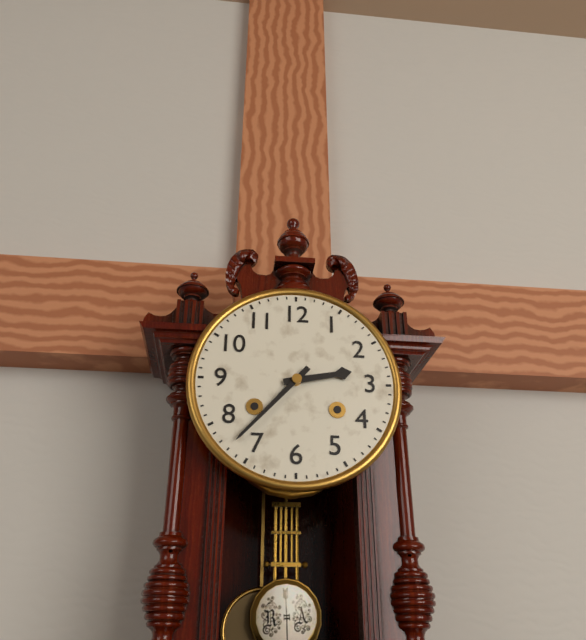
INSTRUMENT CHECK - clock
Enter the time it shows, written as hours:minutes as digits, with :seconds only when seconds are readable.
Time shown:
2:37
